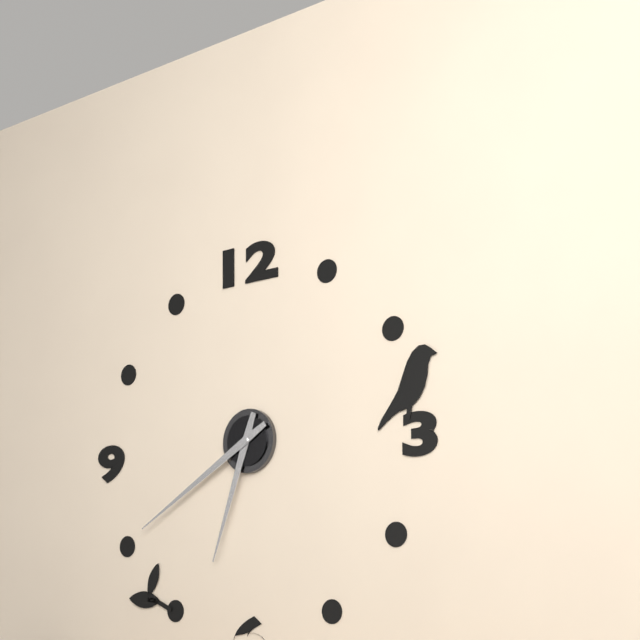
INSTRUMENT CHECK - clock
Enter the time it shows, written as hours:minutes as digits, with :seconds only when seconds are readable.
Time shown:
6:40
